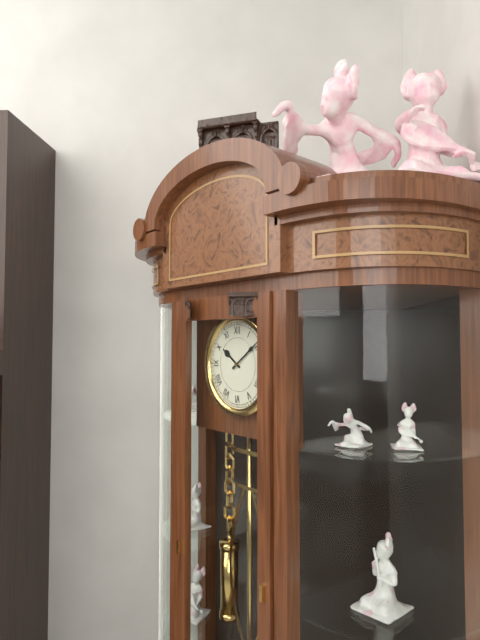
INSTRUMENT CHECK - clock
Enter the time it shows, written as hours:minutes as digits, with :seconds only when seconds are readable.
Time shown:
10:09
